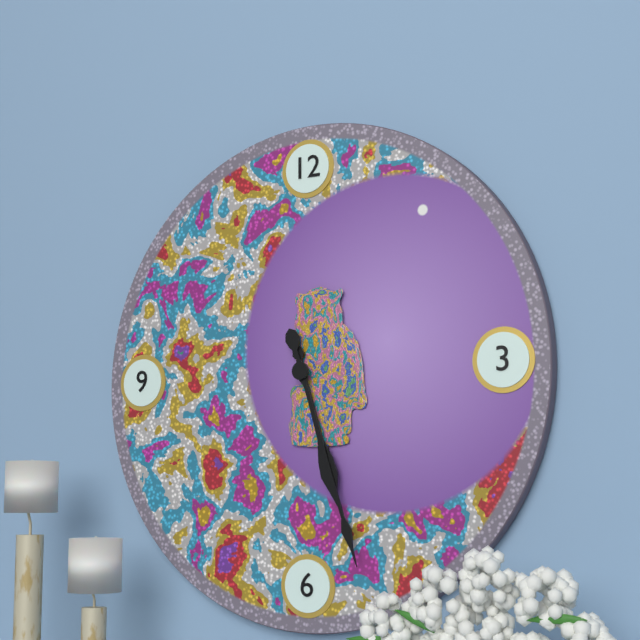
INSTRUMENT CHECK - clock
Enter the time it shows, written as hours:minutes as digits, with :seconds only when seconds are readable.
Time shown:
5:27
